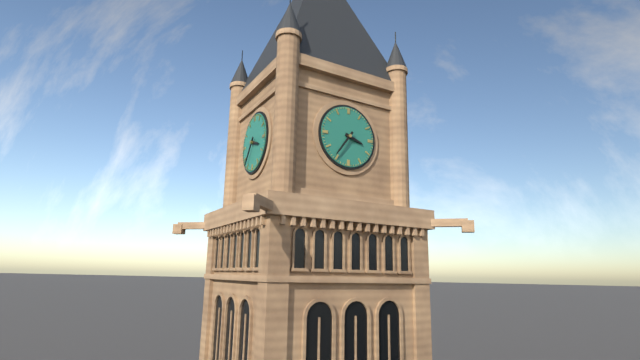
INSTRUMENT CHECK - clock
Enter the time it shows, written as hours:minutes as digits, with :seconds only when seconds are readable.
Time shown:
3:36
